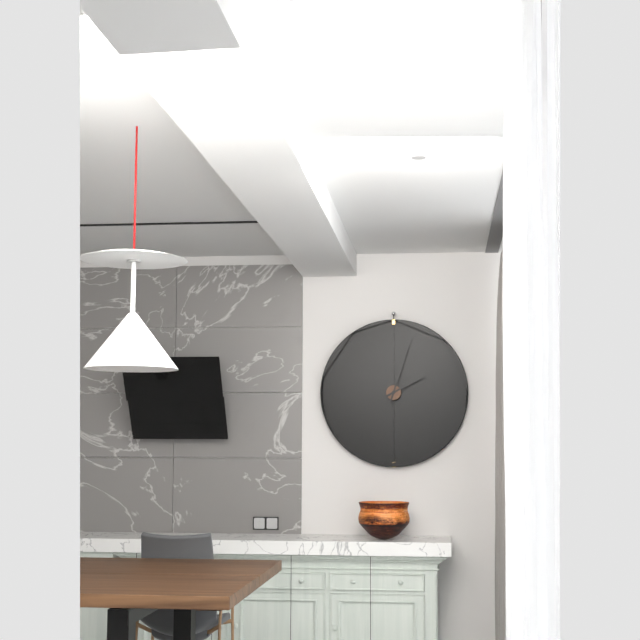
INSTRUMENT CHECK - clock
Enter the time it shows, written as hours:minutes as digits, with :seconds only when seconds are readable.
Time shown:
2:03
